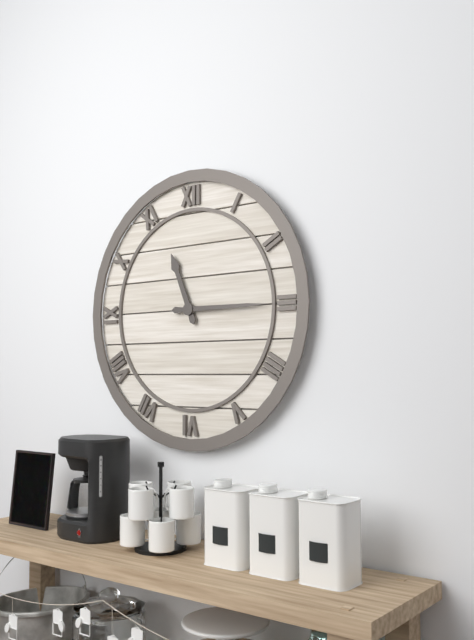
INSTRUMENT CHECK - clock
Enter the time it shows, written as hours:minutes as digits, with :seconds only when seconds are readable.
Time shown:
11:15
